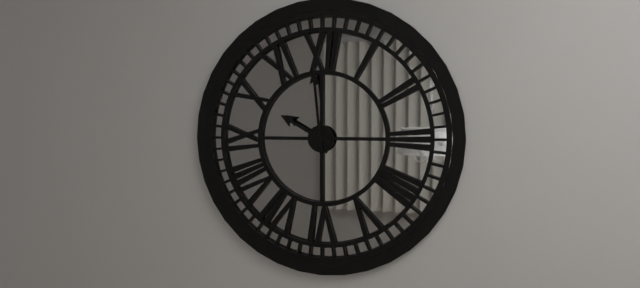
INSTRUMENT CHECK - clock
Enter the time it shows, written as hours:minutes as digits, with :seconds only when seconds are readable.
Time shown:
9:59
